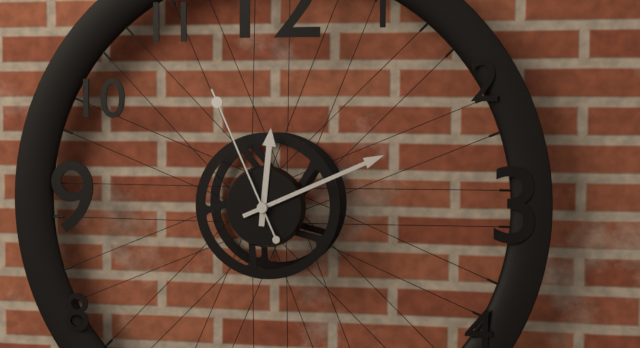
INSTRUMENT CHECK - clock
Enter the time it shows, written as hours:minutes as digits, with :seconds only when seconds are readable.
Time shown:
12:11:56
